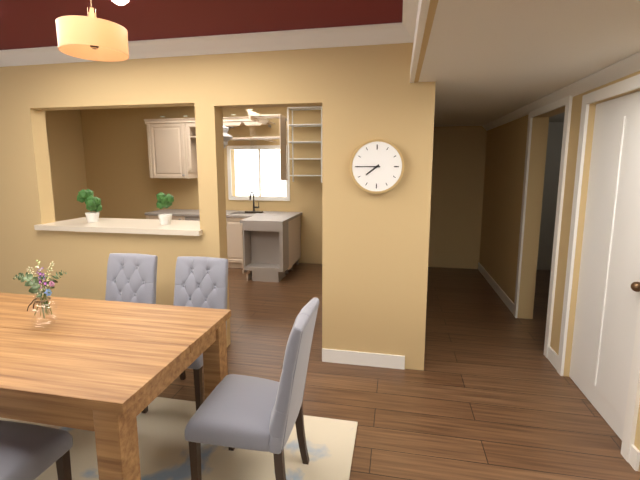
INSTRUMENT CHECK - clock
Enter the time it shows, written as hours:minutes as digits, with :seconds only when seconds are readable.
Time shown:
7:45
